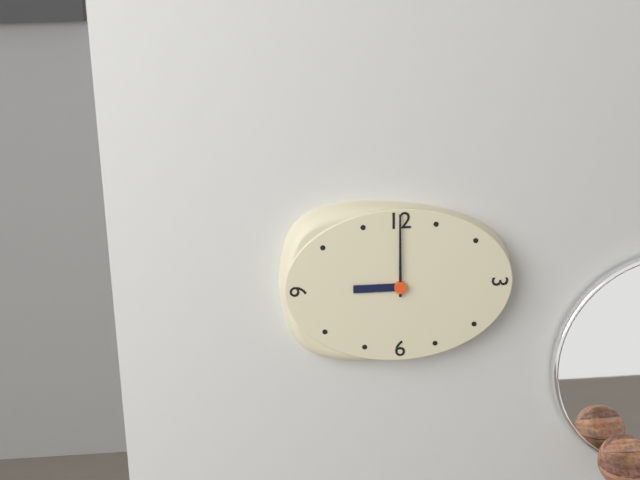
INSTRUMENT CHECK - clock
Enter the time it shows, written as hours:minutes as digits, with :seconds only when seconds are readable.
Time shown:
9:00
